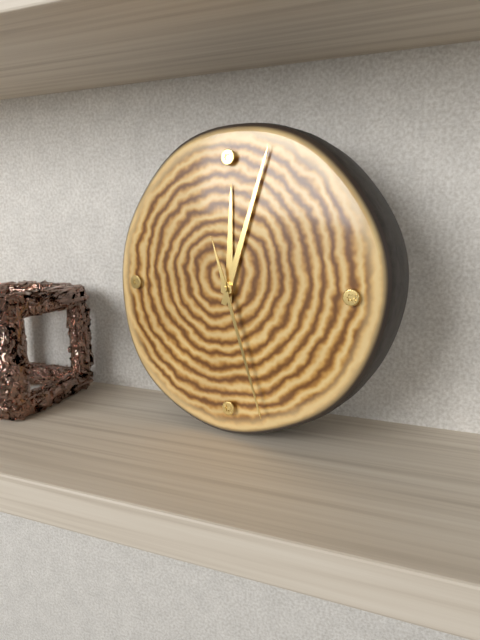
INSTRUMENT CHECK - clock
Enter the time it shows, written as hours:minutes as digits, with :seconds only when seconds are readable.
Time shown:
12:03:27
